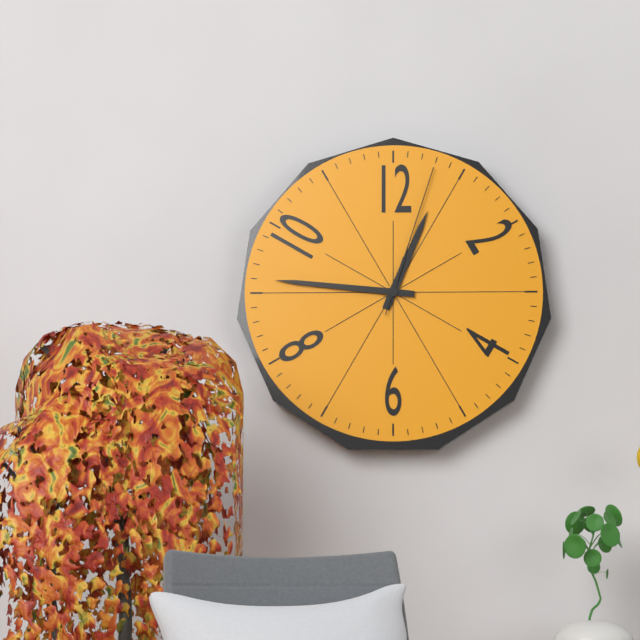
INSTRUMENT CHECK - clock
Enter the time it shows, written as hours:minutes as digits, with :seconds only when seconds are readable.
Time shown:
12:46:03
